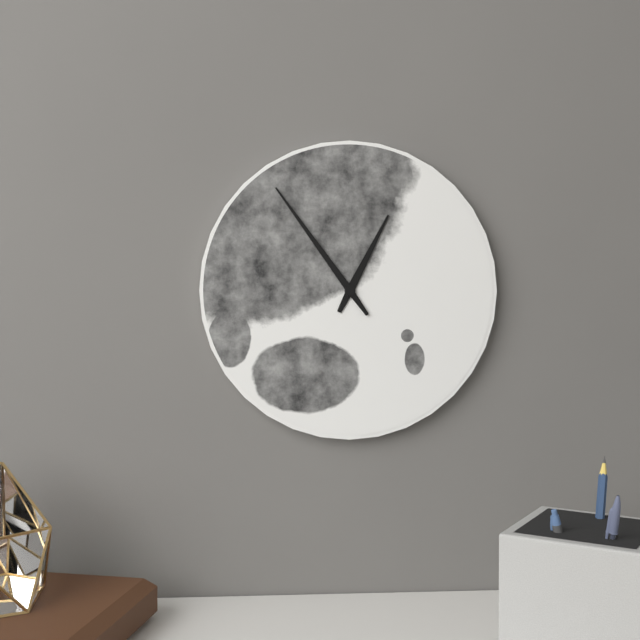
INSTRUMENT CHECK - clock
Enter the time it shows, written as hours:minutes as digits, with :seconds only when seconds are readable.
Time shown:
12:54
